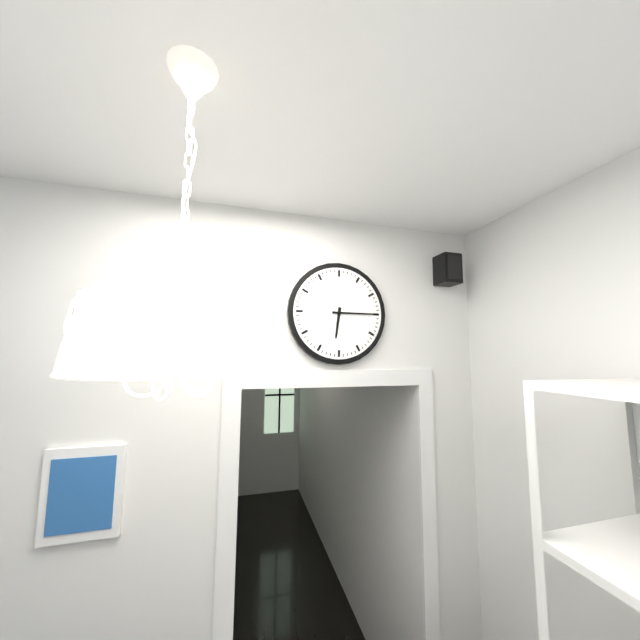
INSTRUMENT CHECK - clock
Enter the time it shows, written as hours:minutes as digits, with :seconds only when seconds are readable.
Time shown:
6:15
